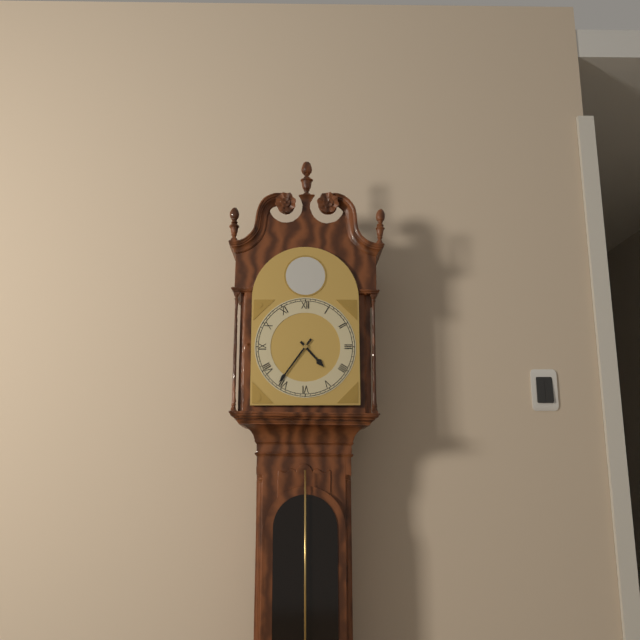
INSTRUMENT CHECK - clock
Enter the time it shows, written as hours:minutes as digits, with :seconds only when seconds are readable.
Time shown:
4:36
